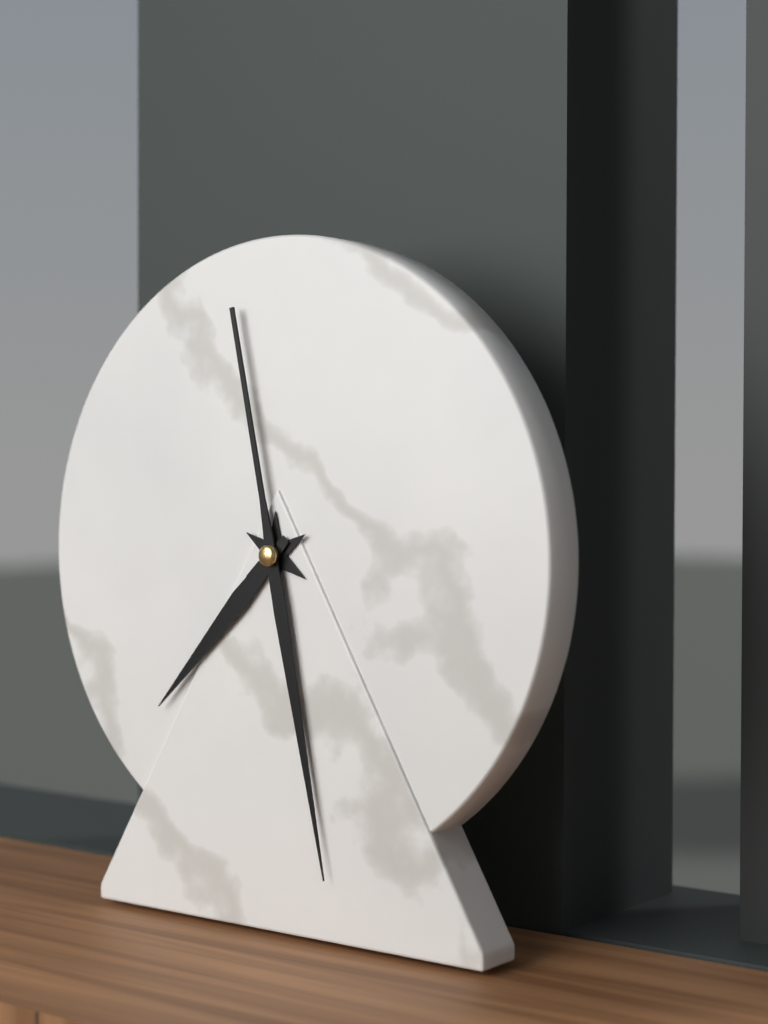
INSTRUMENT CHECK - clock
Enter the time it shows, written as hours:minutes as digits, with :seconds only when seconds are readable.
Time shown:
7:28
